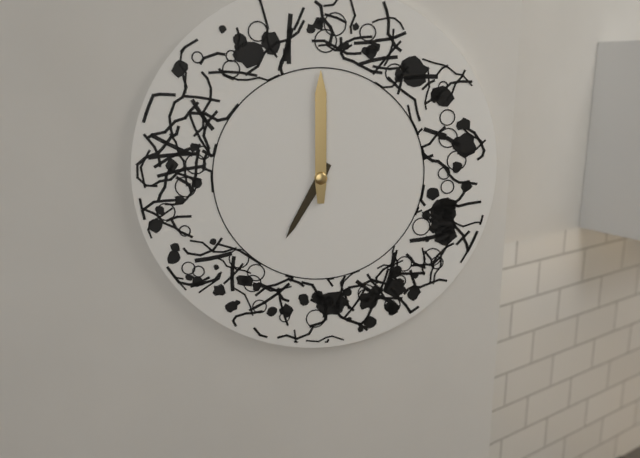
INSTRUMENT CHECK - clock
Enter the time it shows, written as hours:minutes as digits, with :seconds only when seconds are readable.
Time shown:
7:00
